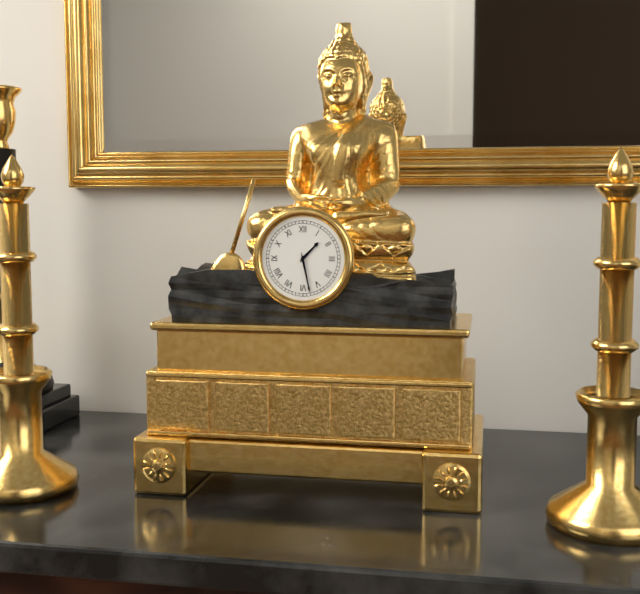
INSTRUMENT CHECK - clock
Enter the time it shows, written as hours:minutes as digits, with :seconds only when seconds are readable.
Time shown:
1:28
